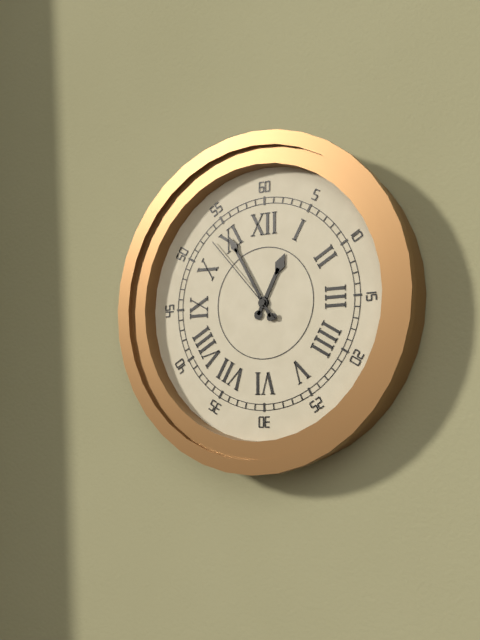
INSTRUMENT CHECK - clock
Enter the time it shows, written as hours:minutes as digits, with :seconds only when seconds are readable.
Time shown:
12:55:53
